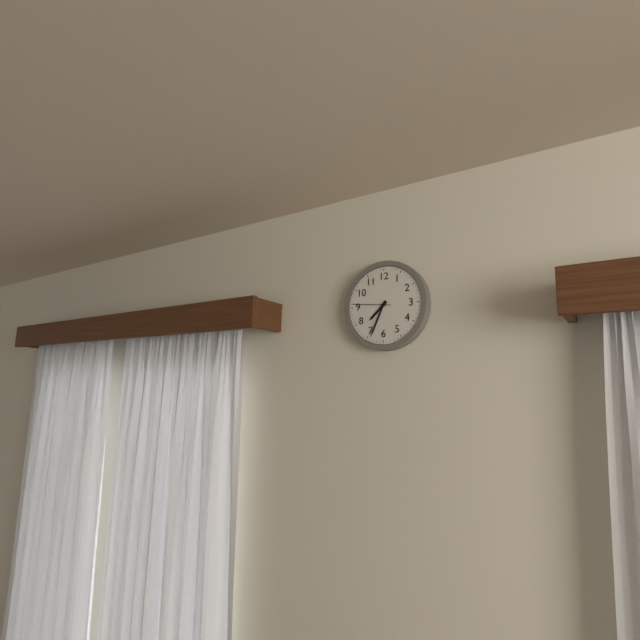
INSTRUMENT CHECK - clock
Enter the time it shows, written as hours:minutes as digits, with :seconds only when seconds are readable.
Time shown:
7:34
